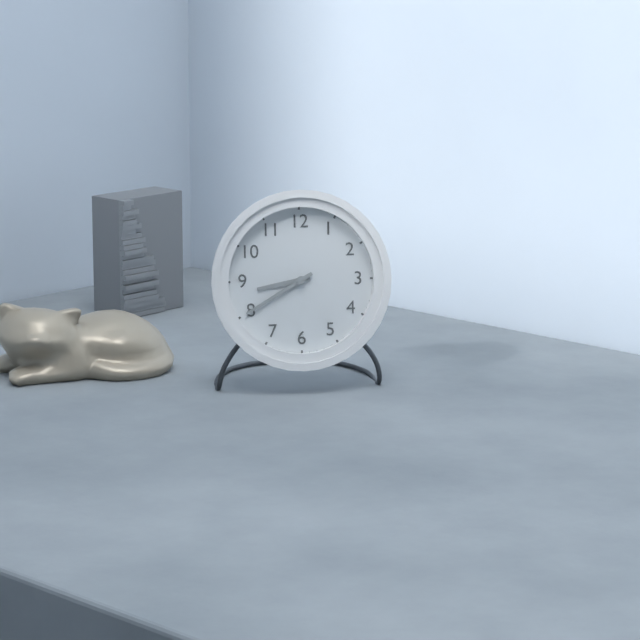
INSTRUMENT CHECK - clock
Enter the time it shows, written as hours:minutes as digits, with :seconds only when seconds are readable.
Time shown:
8:40
